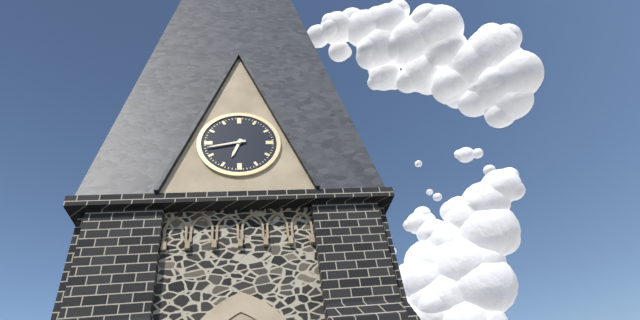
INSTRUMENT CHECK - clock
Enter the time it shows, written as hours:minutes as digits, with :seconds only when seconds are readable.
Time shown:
6:43
